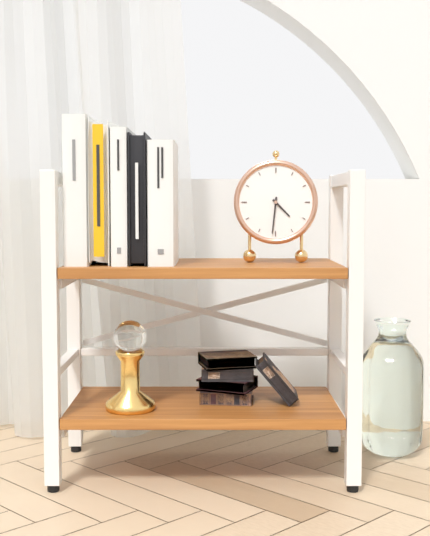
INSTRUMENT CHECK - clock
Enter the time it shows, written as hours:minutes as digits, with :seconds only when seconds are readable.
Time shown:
4:31
